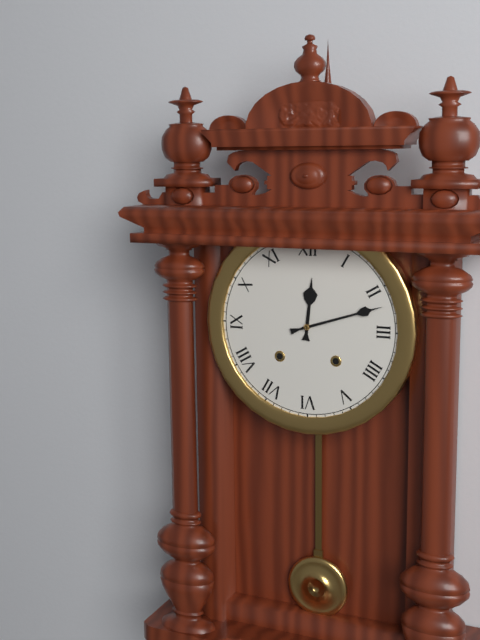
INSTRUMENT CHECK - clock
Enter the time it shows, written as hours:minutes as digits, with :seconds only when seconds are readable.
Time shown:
12:12
